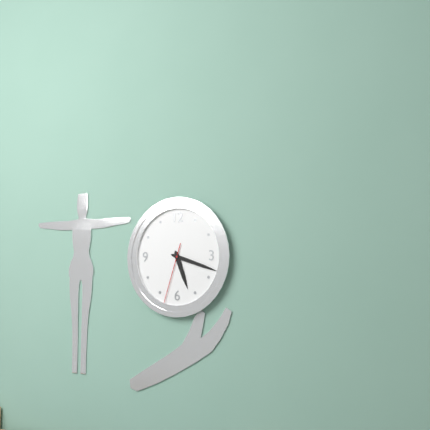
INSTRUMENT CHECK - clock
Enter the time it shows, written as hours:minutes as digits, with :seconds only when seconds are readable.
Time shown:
5:18:33
